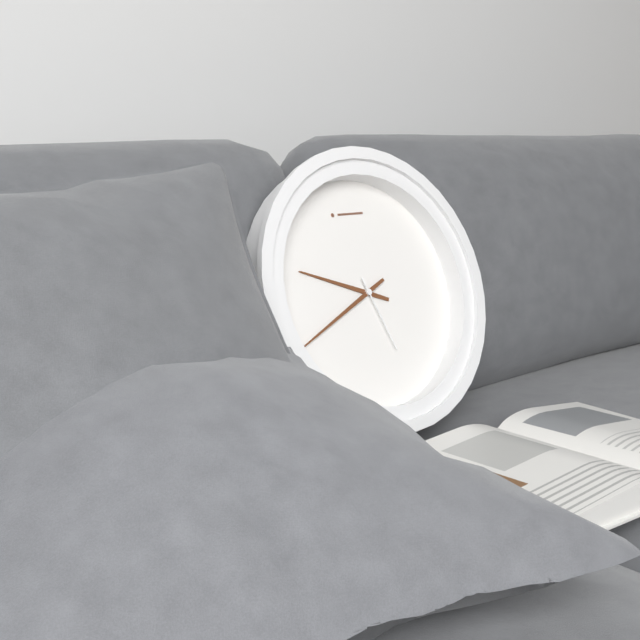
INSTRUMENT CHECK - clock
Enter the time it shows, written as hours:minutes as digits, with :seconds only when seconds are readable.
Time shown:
9:41:27
